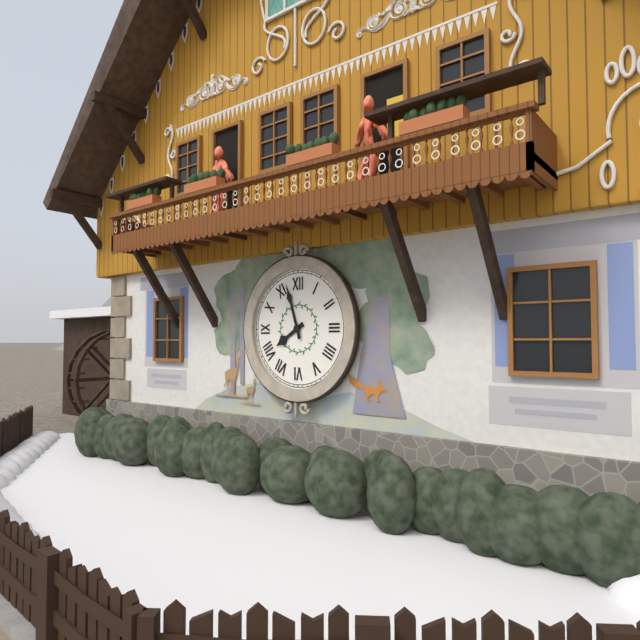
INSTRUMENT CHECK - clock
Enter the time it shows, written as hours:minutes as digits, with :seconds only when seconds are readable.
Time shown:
7:57
